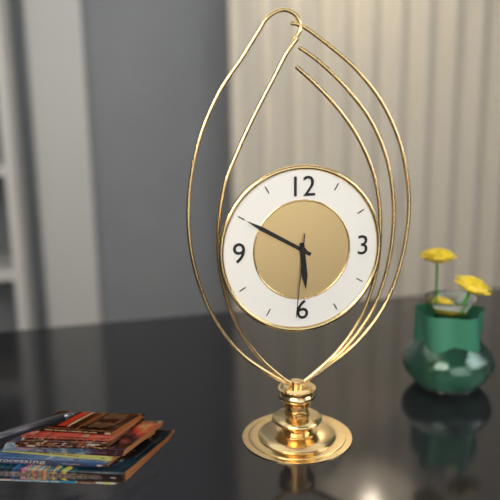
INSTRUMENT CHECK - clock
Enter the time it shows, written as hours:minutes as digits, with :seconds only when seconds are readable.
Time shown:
5:50:31
